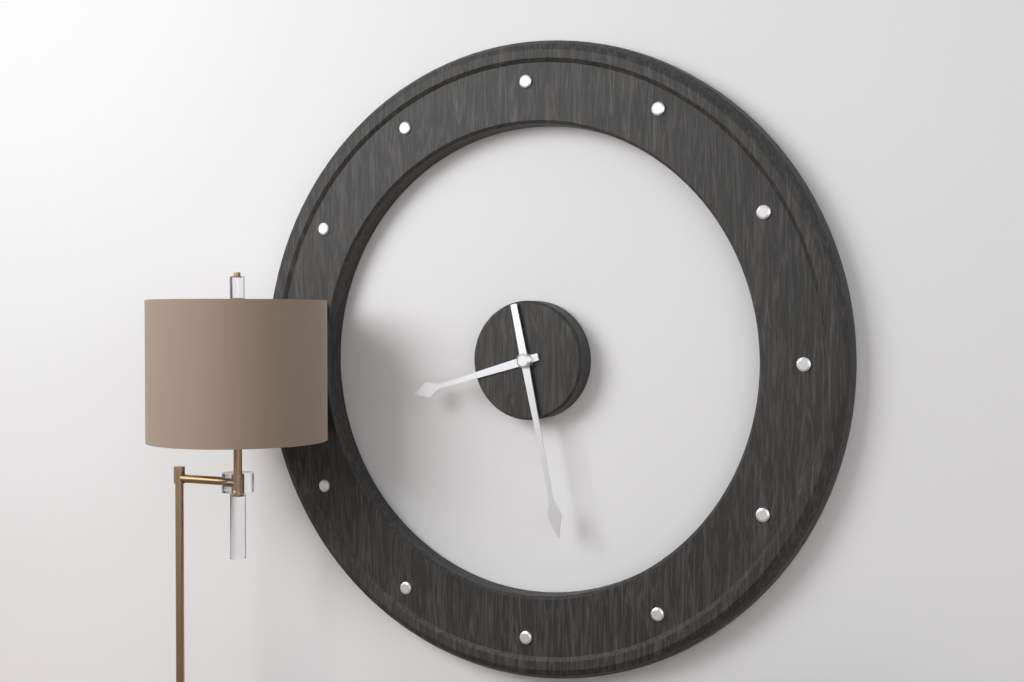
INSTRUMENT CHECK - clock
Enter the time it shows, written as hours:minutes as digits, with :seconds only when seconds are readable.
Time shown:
8:28
